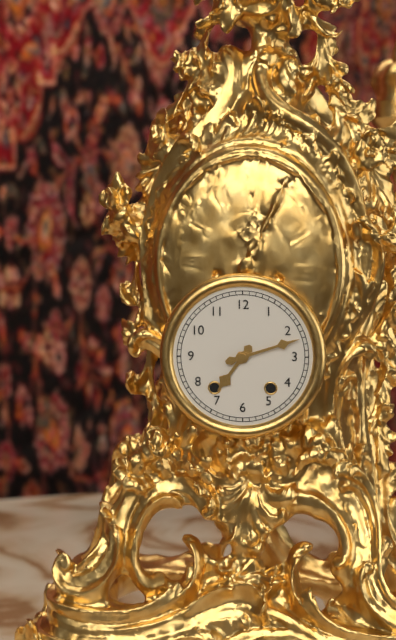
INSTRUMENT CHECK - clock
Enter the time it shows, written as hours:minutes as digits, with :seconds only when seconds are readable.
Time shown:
7:12
